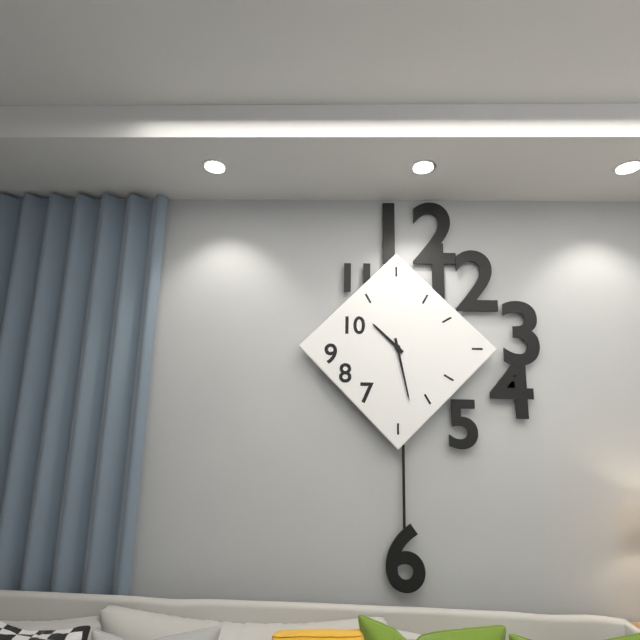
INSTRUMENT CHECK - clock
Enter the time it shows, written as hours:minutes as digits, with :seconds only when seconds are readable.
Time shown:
10:28
